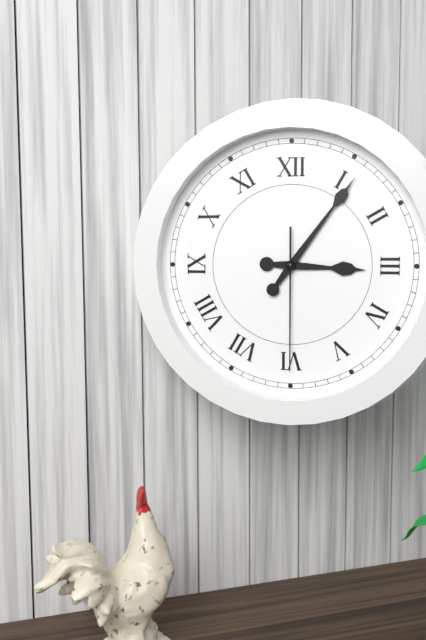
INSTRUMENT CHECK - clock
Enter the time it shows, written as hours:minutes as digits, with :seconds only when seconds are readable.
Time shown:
3:06:30
